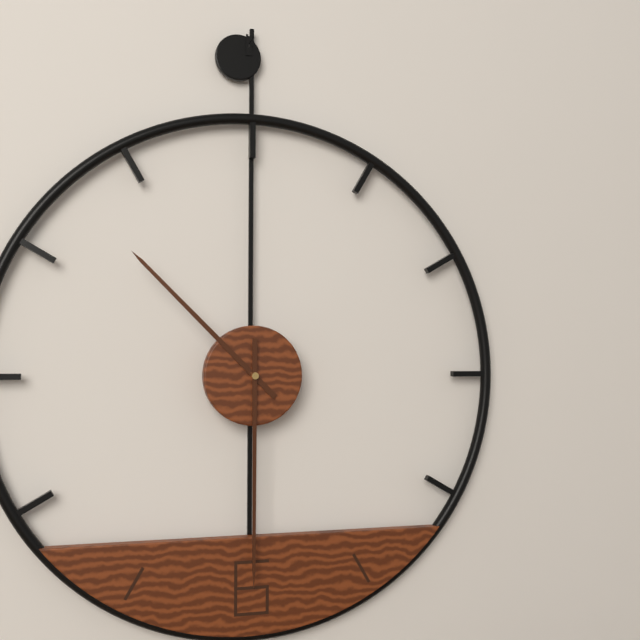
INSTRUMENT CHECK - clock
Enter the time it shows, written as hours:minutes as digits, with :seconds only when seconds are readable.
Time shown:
10:30
